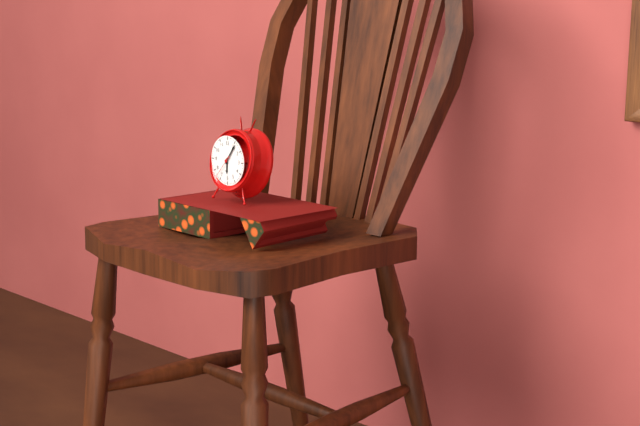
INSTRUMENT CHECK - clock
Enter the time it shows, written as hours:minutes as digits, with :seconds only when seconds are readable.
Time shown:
6:06
